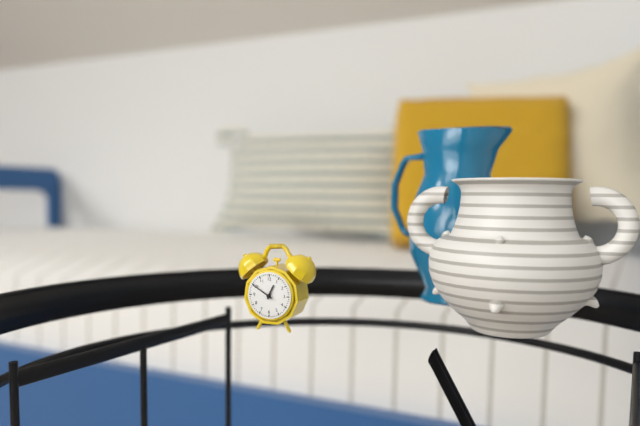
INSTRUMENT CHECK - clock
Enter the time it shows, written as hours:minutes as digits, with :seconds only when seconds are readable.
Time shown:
12:50
